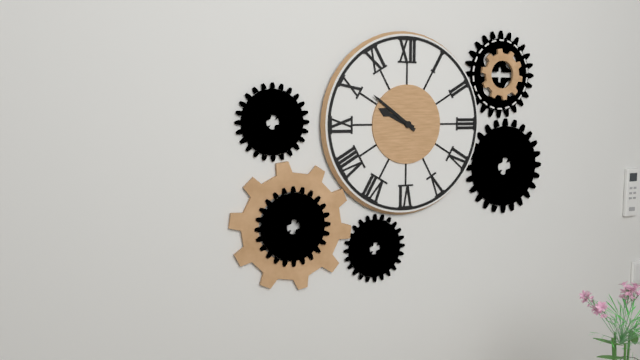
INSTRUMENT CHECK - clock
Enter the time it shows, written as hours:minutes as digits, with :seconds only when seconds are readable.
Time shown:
9:51
